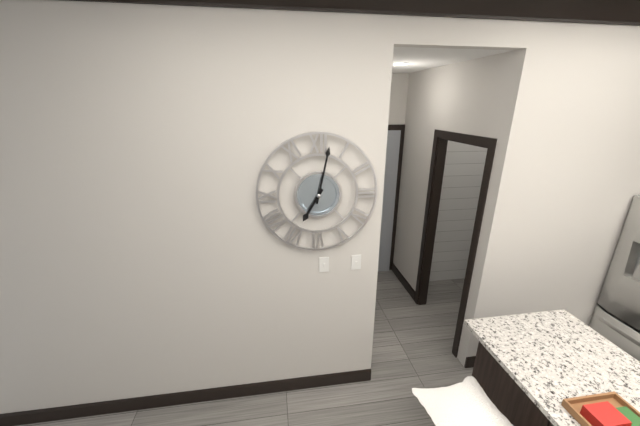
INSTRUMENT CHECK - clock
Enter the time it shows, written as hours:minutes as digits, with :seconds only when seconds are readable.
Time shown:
7:02
